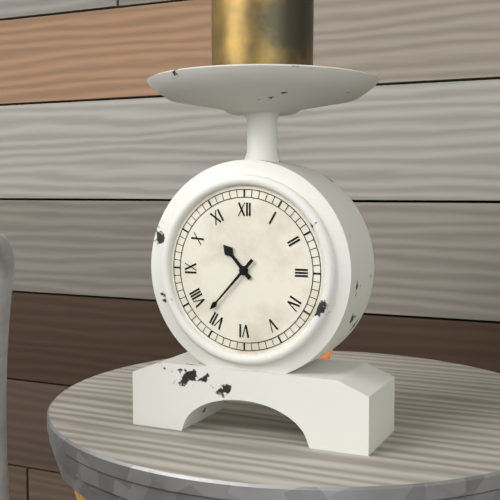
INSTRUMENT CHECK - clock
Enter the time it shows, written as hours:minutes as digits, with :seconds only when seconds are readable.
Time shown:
10:37
